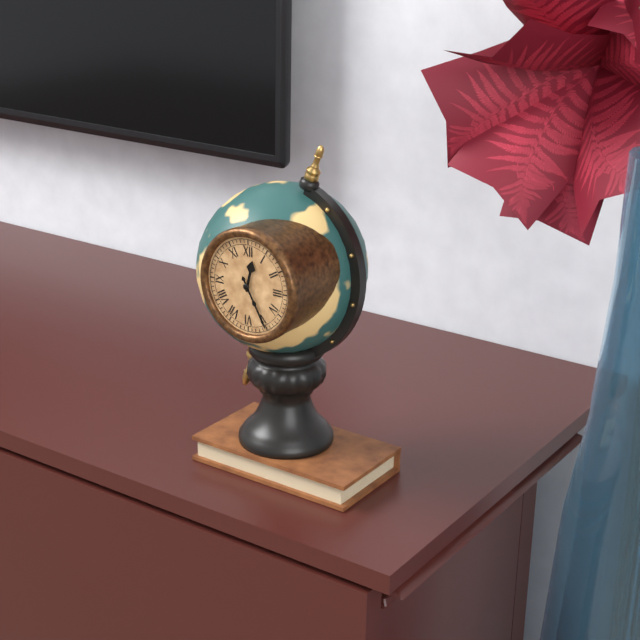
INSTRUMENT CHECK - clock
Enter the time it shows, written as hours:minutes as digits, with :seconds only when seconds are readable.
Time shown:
12:25
